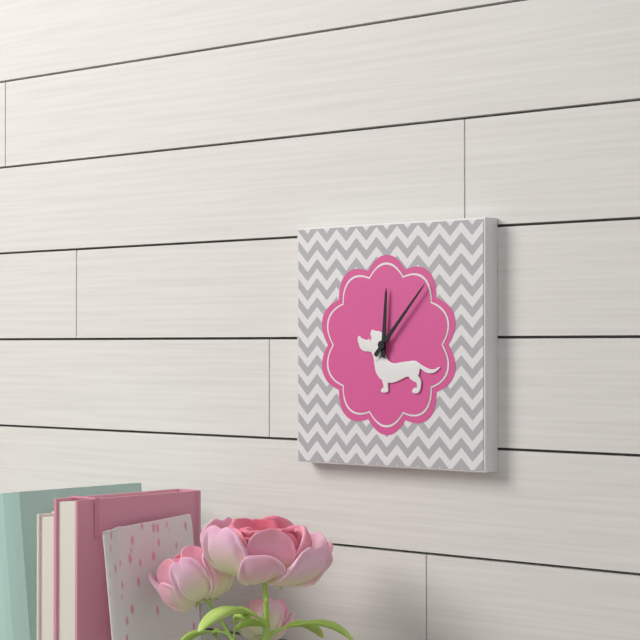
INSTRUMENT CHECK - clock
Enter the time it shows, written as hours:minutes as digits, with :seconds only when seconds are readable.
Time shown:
12:07
